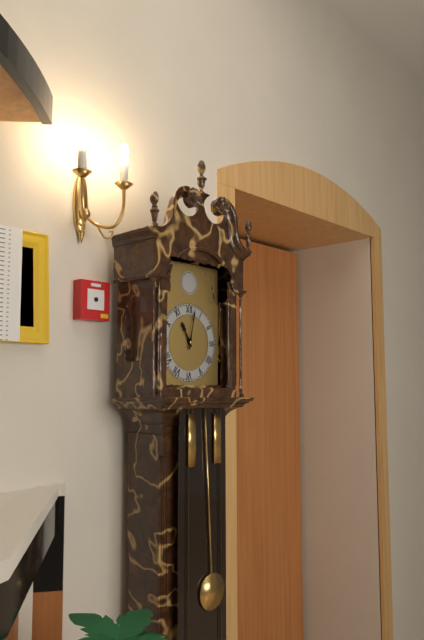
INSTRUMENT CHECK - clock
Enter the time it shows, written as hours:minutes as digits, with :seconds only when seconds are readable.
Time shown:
11:02
